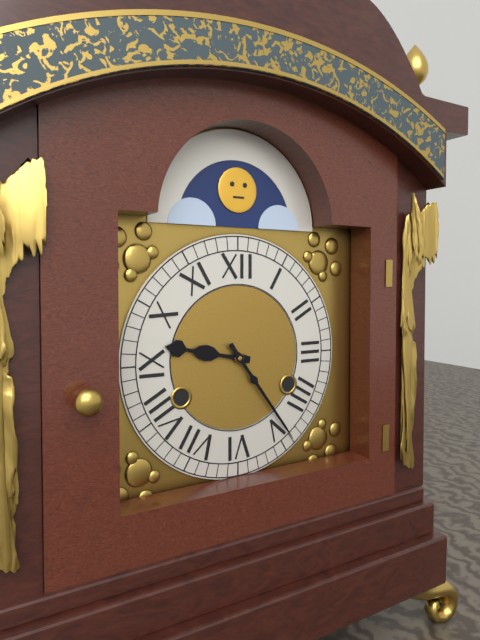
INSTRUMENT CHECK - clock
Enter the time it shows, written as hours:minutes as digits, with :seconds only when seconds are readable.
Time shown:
9:24
